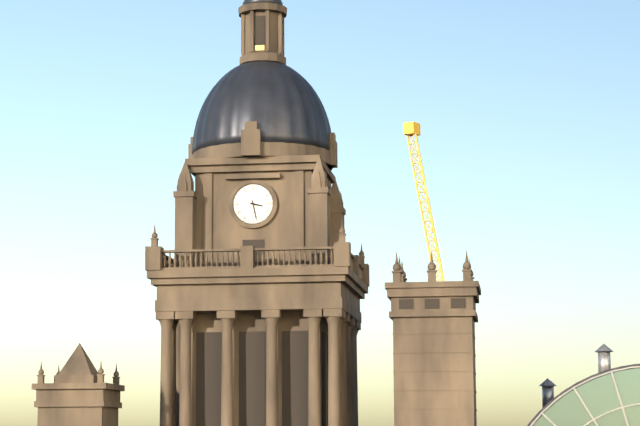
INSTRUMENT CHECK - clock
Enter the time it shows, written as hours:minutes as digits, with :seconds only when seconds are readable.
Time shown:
3:28
